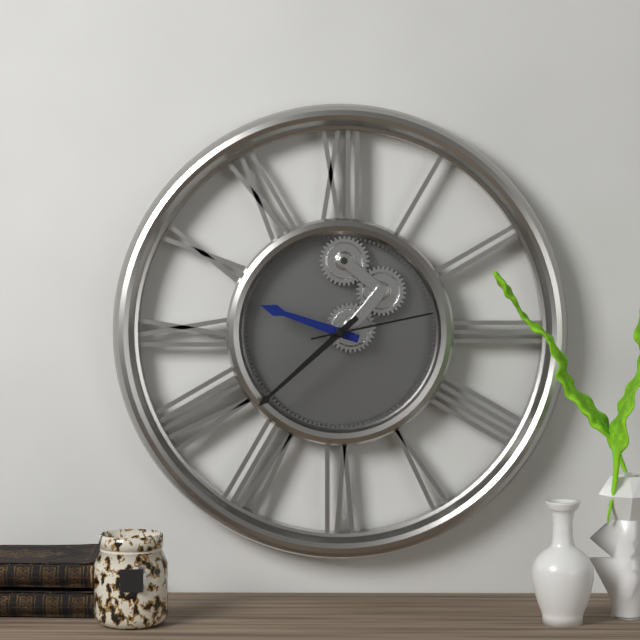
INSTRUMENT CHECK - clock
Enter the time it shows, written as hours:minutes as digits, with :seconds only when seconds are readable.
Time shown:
9:38:13
